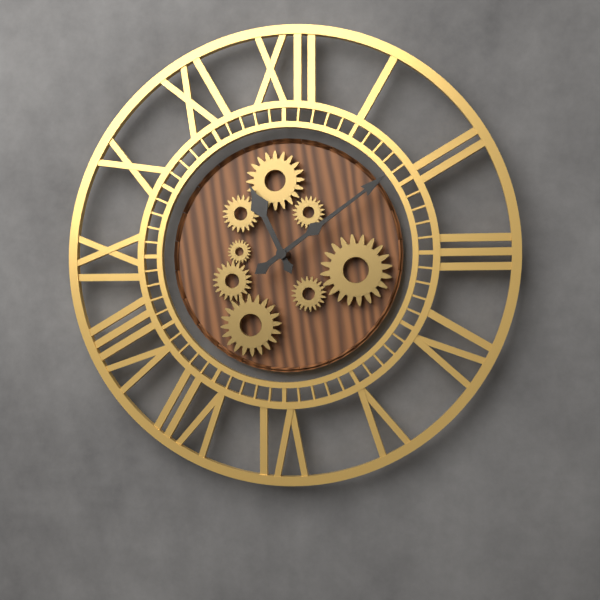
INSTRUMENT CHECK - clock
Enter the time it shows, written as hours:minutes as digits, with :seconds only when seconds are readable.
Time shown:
11:09
